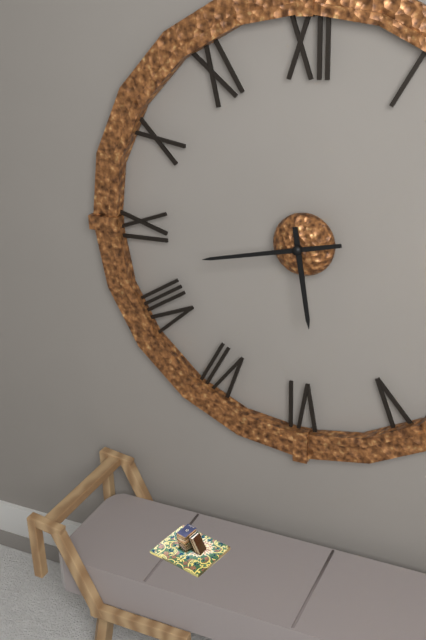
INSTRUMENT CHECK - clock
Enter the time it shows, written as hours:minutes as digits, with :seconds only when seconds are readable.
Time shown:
5:43
